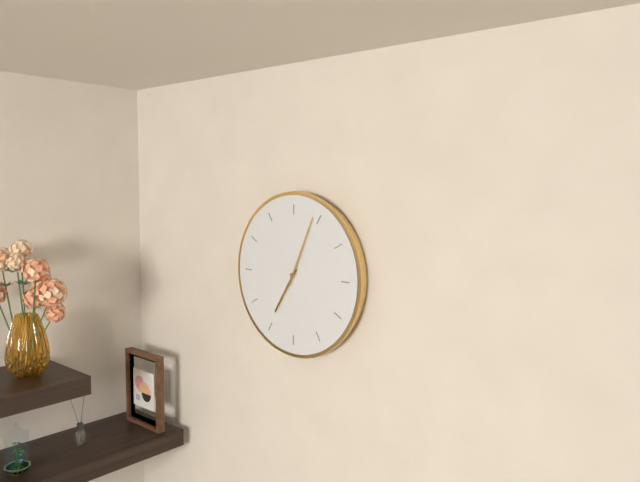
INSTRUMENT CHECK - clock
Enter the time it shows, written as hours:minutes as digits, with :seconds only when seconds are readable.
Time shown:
7:04
